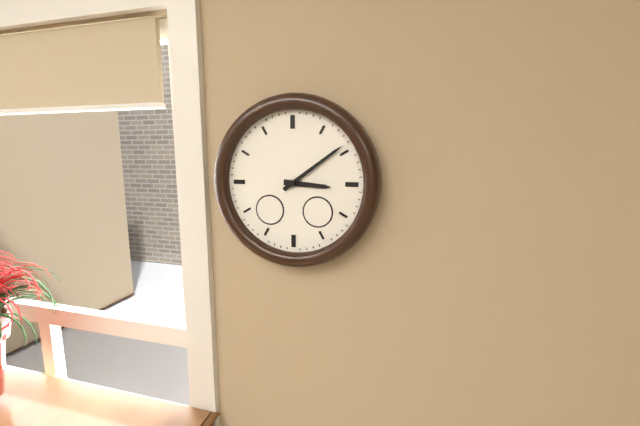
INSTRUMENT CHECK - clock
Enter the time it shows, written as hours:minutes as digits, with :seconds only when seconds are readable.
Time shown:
3:09
